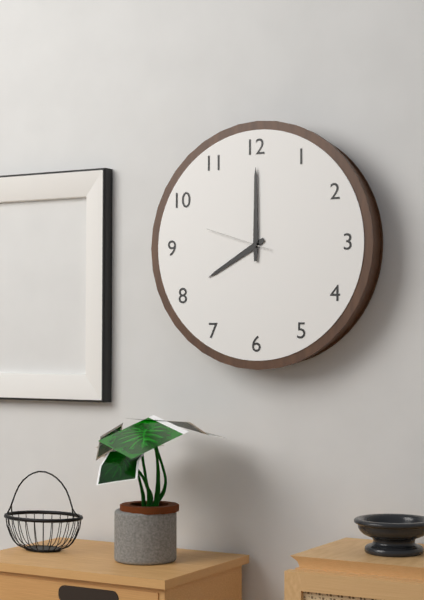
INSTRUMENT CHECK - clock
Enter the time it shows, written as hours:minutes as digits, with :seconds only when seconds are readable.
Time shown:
8:00:48
